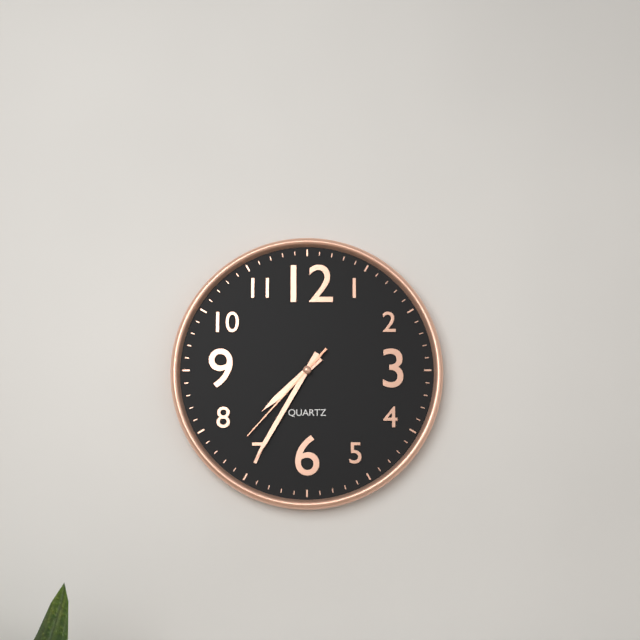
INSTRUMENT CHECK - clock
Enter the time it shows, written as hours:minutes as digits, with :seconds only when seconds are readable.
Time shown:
7:35:37
